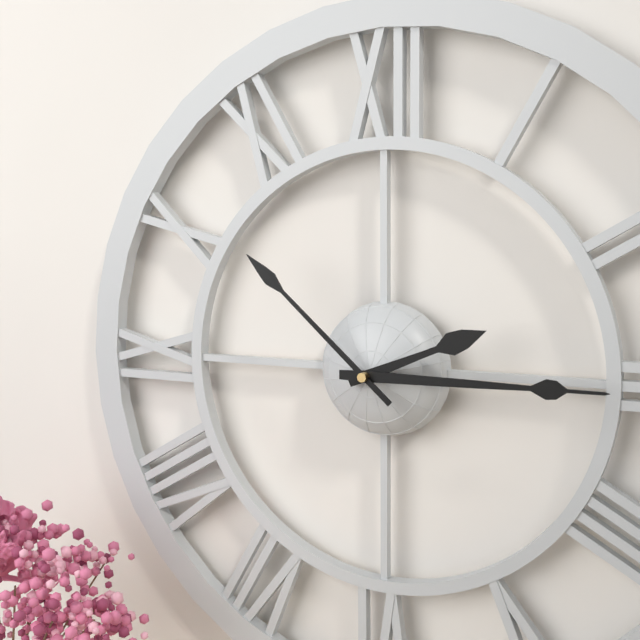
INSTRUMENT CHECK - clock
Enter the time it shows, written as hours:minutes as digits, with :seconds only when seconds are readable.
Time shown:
2:15:52
